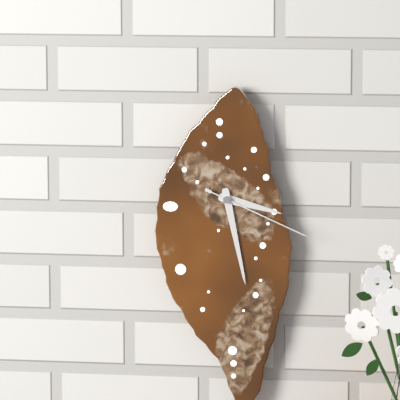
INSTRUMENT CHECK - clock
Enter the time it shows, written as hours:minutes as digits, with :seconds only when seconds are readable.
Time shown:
3:28:19
